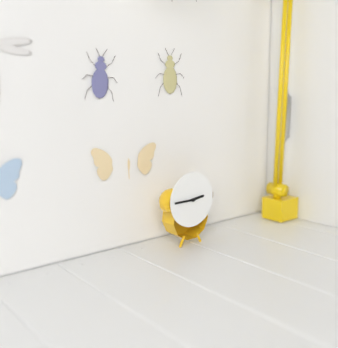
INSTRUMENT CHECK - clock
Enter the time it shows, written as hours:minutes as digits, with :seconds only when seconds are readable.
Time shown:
2:45
